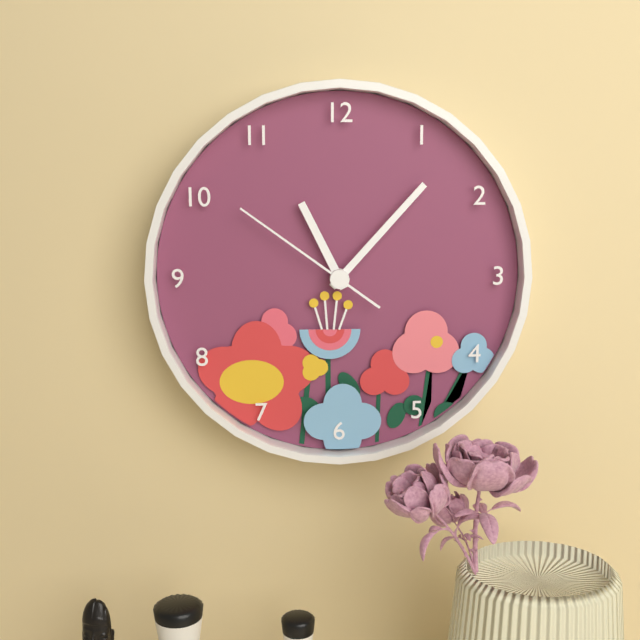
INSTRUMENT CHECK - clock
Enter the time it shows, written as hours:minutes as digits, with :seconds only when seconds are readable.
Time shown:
11:07:51
